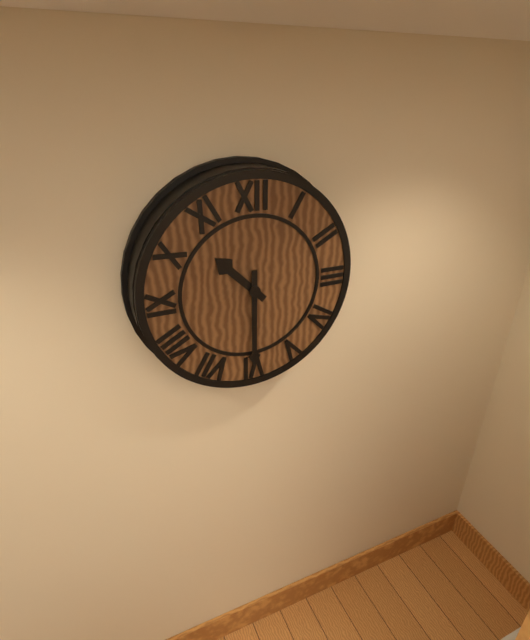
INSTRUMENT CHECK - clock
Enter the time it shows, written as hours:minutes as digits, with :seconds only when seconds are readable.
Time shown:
10:30
